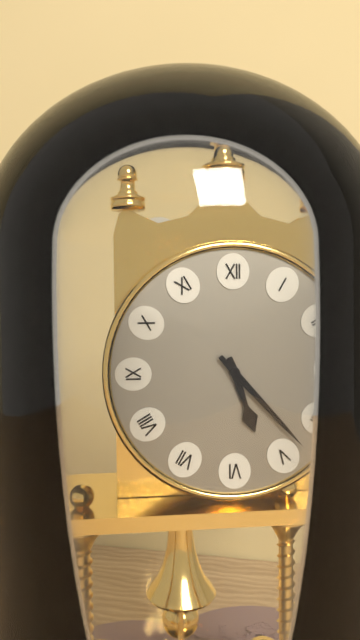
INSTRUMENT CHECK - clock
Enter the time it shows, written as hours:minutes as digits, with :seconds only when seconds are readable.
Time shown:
5:23
